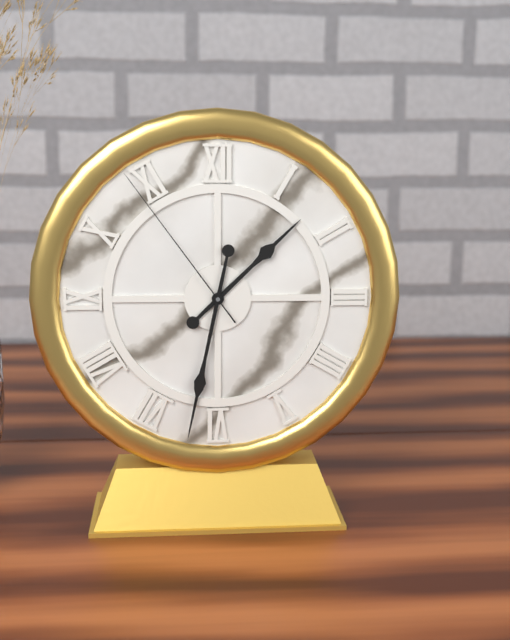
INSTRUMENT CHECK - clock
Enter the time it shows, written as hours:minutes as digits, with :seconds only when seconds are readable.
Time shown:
1:32:54
